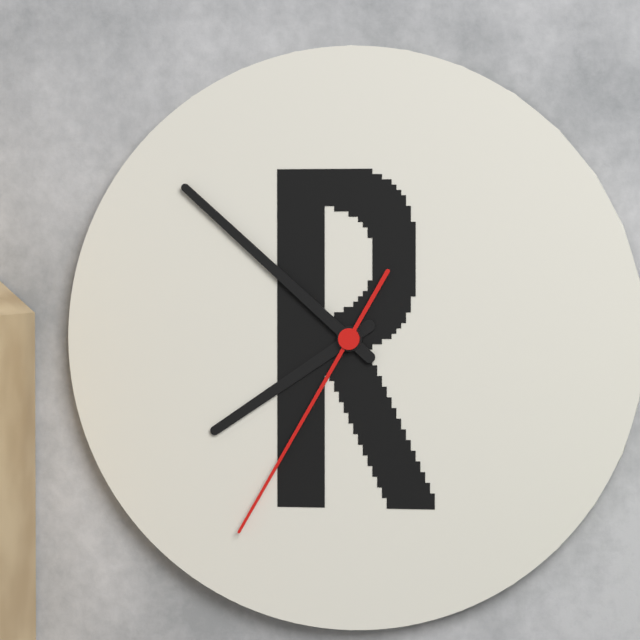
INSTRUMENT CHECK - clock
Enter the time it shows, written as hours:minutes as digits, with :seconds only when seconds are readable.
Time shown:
7:52:35
